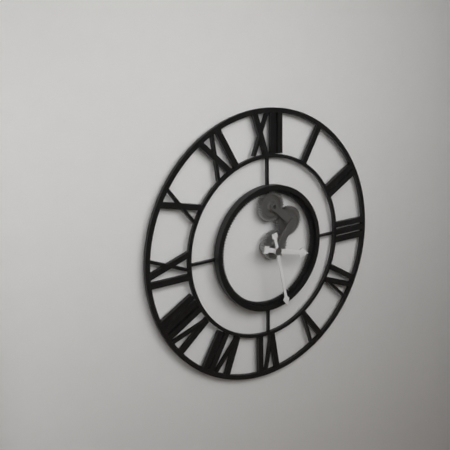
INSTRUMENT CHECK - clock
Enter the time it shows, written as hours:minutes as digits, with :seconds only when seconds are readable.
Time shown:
3:28
